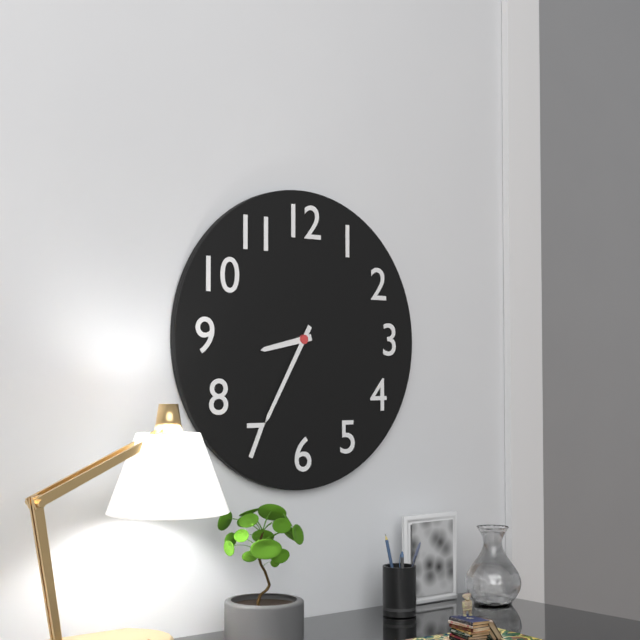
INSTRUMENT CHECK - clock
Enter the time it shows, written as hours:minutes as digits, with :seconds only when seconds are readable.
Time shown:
8:35
